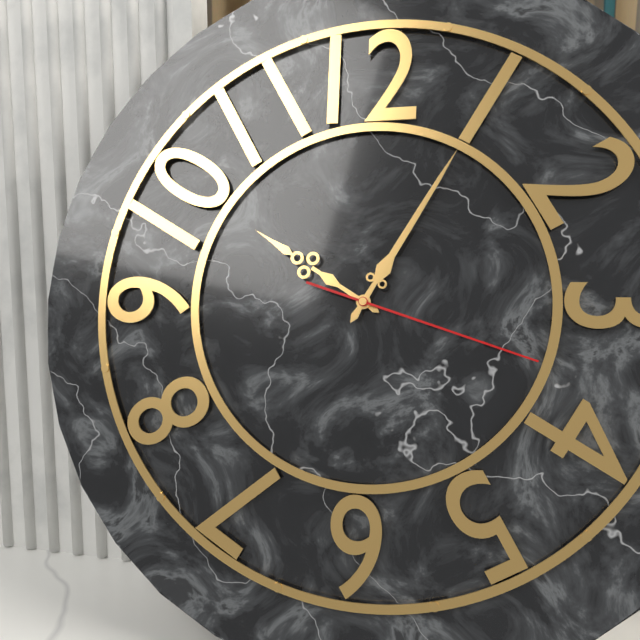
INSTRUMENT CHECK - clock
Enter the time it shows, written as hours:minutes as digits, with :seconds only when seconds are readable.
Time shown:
10:05:18
